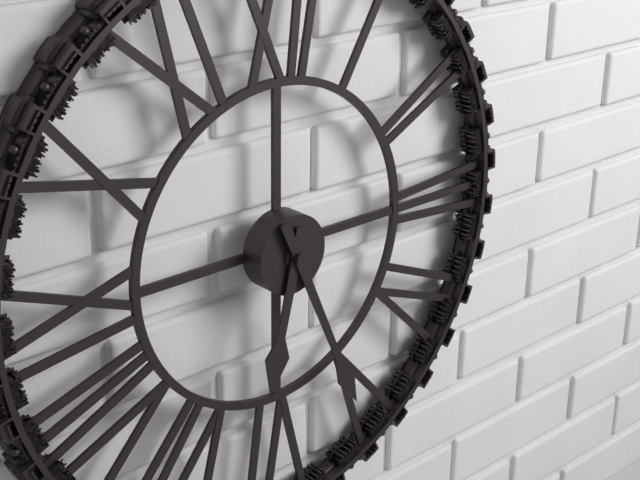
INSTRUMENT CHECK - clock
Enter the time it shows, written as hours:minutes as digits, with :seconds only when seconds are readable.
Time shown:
6:26
